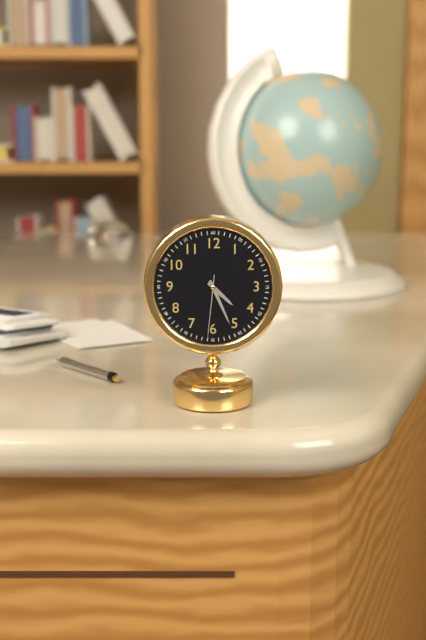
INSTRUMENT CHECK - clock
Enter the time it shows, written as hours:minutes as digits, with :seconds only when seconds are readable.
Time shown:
4:26:31
